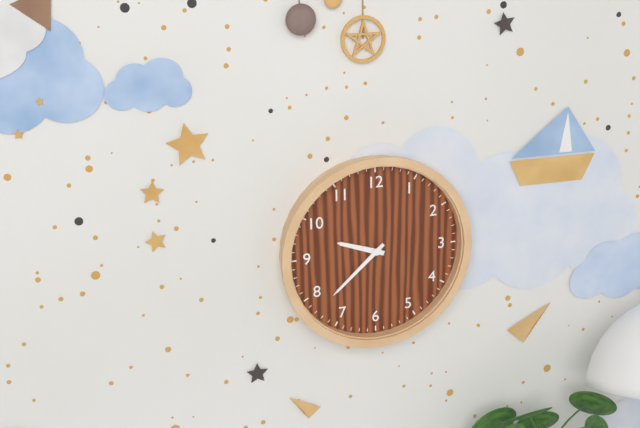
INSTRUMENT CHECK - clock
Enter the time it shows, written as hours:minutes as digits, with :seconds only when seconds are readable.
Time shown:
9:38
